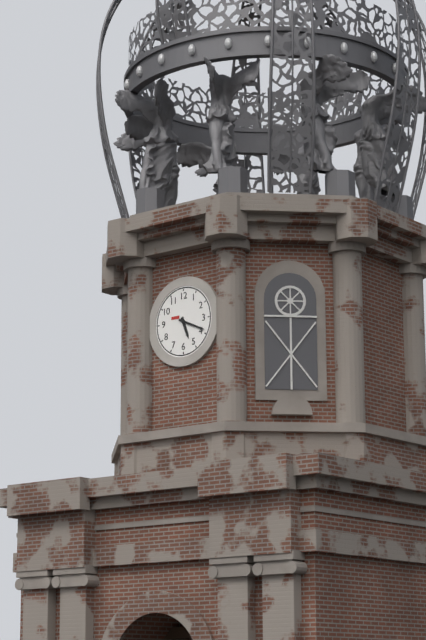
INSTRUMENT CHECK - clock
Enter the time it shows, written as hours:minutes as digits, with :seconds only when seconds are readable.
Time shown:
5:19
